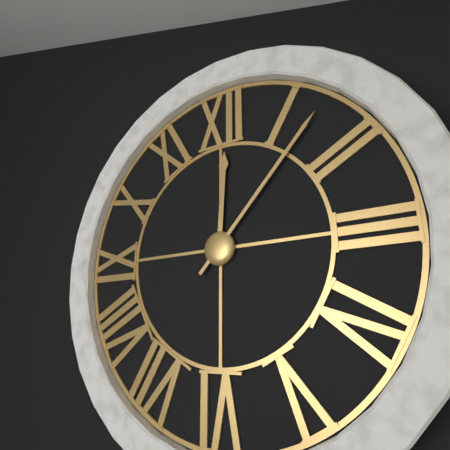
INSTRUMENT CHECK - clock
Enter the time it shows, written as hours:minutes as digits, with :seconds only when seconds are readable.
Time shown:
12:07
